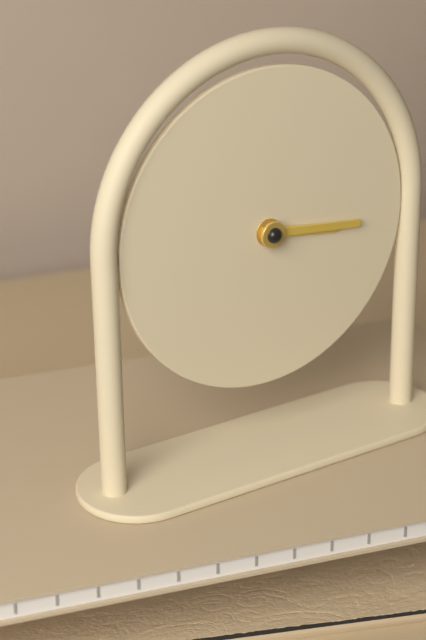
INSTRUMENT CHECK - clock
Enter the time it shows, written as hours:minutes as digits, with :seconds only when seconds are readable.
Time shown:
3:16
